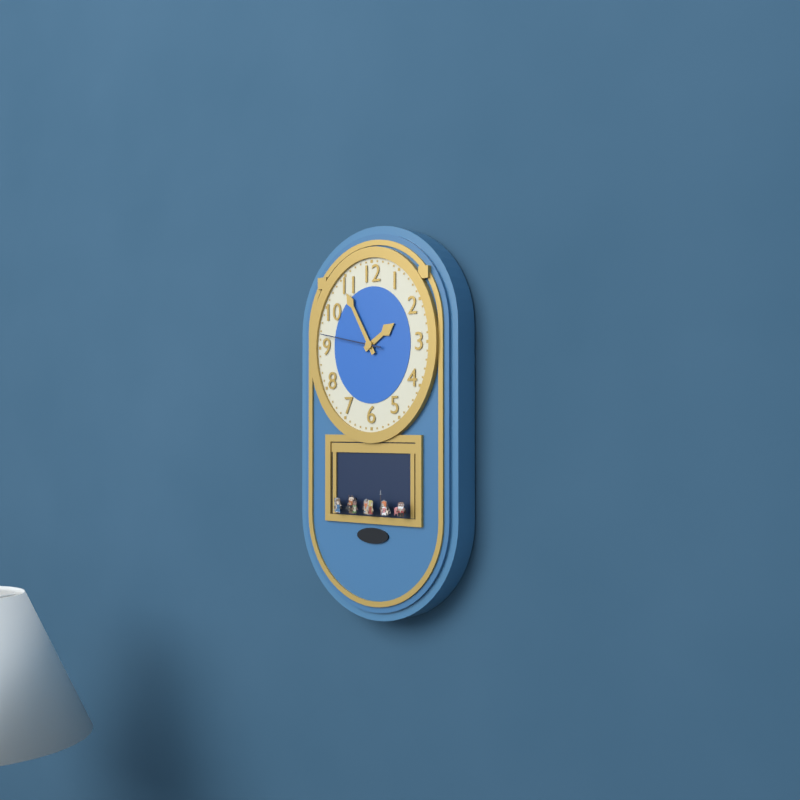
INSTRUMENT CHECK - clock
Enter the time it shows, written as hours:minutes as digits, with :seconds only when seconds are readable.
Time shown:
1:55:47
